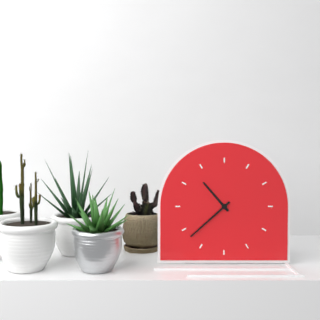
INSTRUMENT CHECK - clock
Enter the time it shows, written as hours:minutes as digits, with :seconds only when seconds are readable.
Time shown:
10:38
